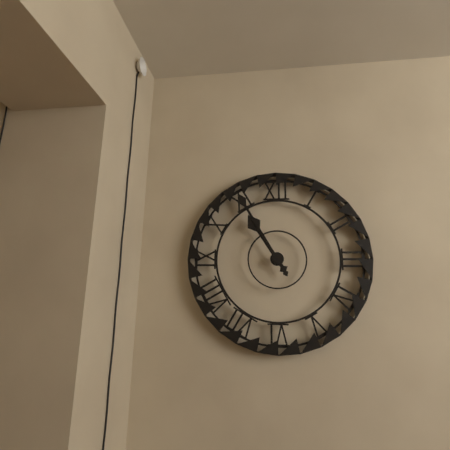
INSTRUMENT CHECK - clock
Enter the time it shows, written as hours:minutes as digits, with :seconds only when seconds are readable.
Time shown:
10:55
